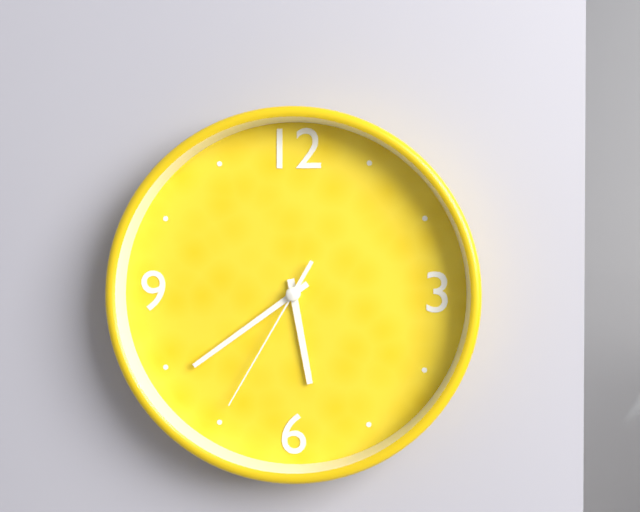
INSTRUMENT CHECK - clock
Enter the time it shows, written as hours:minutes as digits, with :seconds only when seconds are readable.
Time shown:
5:39:35
